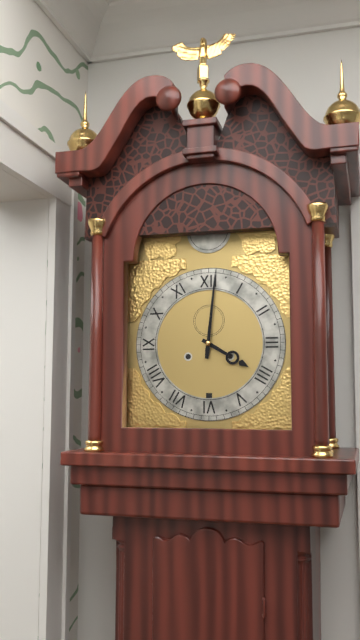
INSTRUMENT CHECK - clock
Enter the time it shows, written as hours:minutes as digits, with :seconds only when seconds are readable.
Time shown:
4:01
